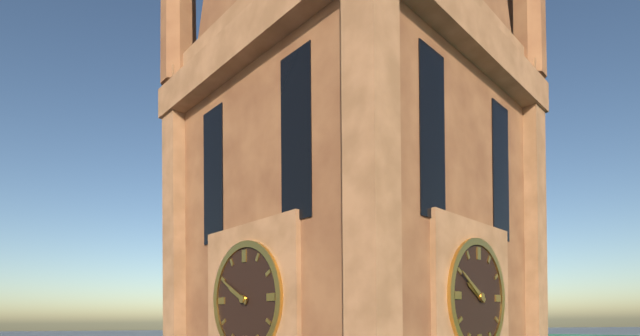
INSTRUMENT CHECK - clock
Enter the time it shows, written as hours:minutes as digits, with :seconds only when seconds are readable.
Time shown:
9:50
